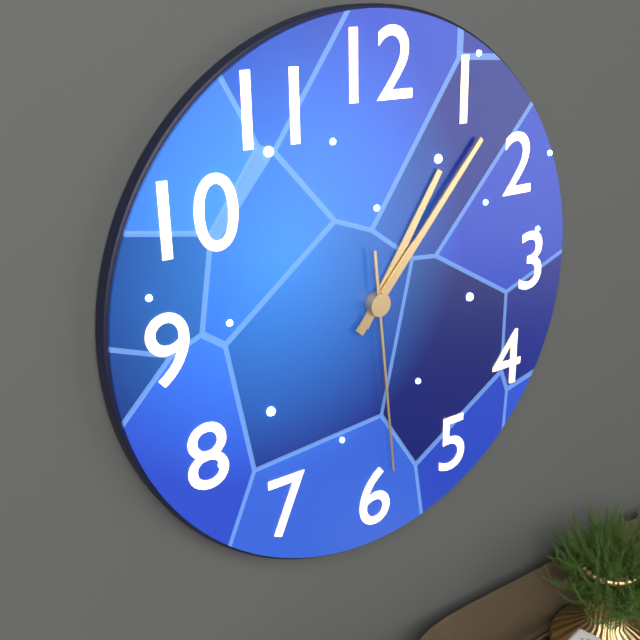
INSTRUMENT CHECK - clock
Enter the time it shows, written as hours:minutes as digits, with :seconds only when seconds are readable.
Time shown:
1:07:29
